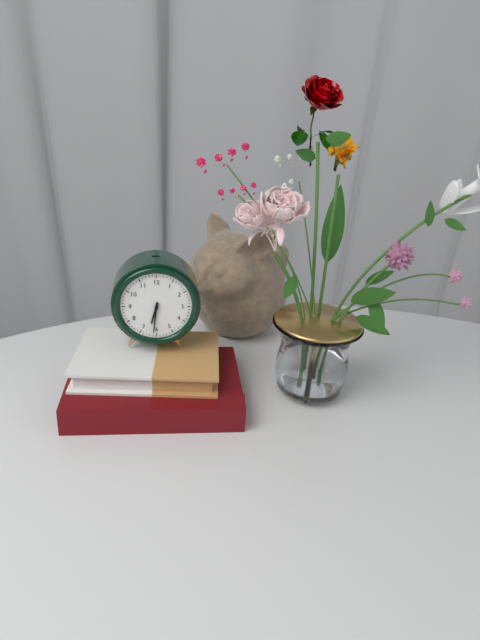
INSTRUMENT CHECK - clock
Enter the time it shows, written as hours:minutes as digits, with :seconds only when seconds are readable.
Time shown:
6:31
